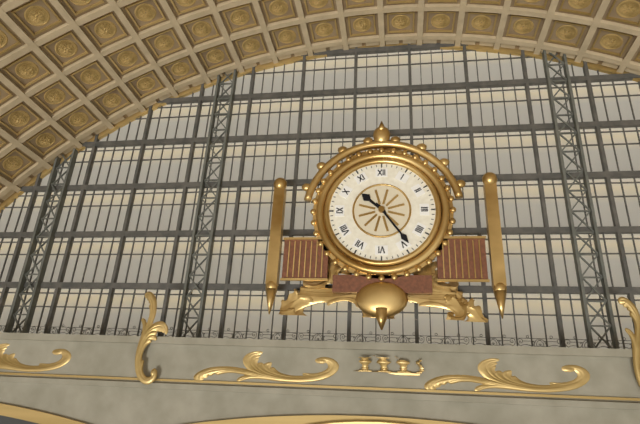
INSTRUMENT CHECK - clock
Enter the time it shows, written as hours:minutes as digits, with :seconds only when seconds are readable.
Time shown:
10:24
